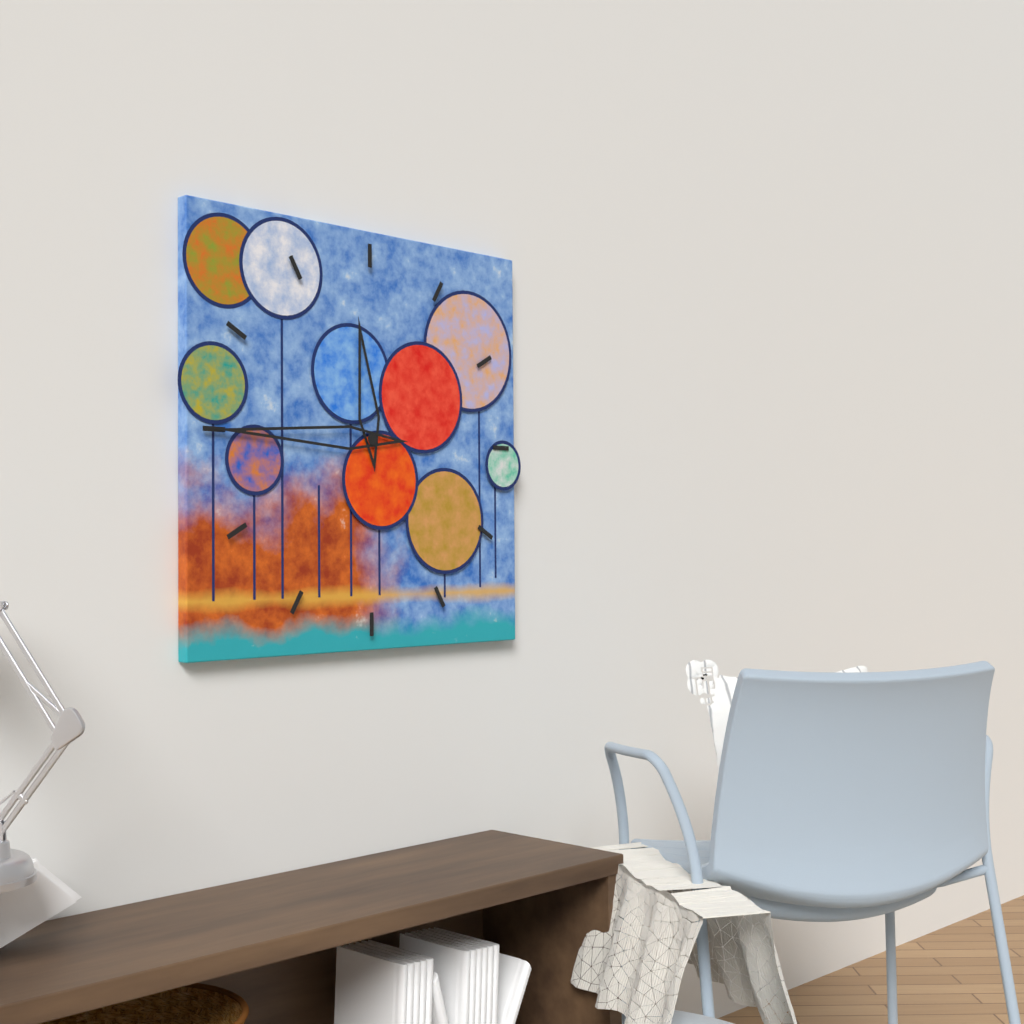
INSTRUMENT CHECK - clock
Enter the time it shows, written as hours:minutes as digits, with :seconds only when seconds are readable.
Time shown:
11:45
